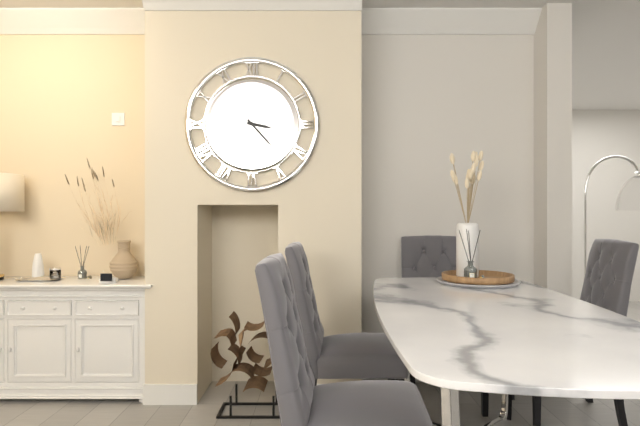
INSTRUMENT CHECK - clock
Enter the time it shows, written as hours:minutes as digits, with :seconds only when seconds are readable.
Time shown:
3:23
